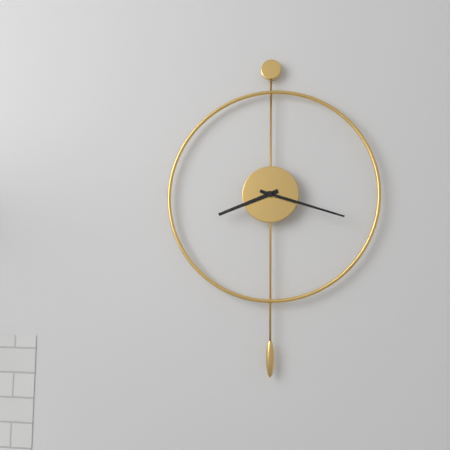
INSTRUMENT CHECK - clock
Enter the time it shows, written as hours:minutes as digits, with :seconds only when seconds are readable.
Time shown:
8:18
